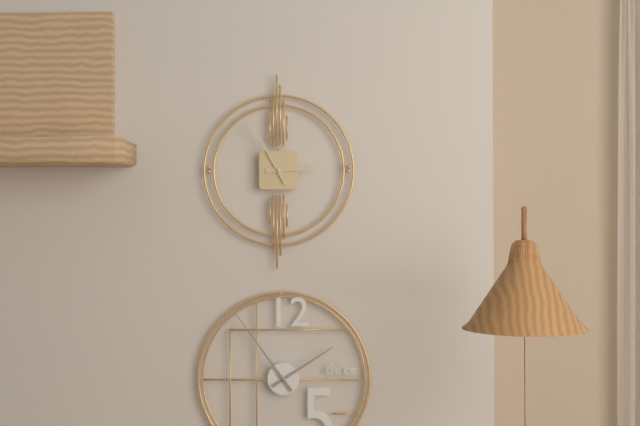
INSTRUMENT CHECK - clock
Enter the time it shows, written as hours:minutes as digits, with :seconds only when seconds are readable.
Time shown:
2:55
